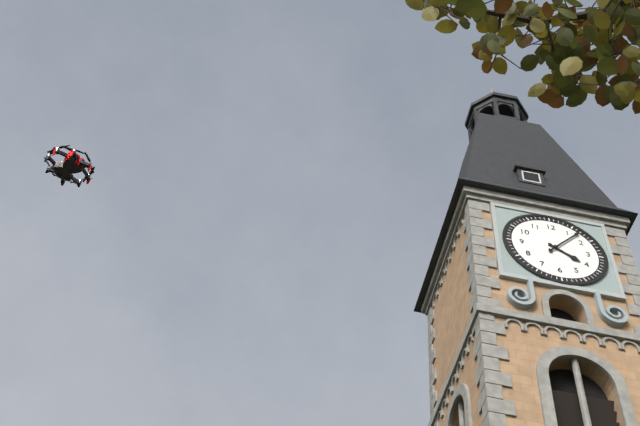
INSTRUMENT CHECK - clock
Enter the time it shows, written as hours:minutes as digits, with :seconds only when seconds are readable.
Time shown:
4:07
